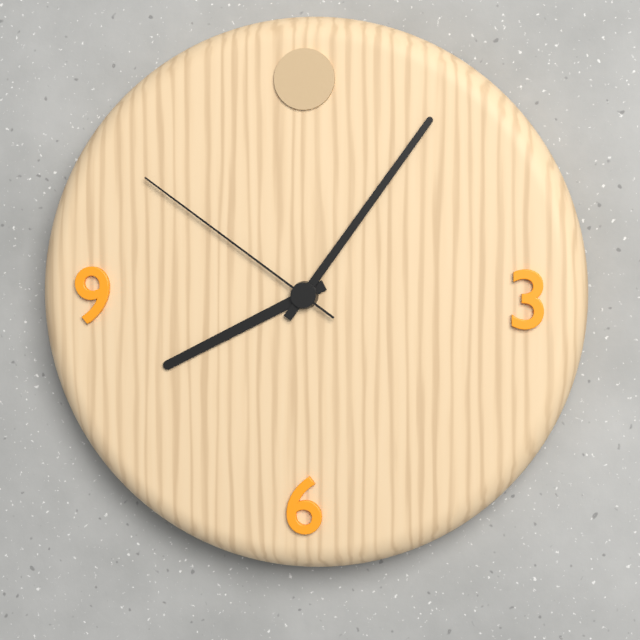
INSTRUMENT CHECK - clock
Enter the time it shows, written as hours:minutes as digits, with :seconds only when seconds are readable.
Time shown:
8:06:51
